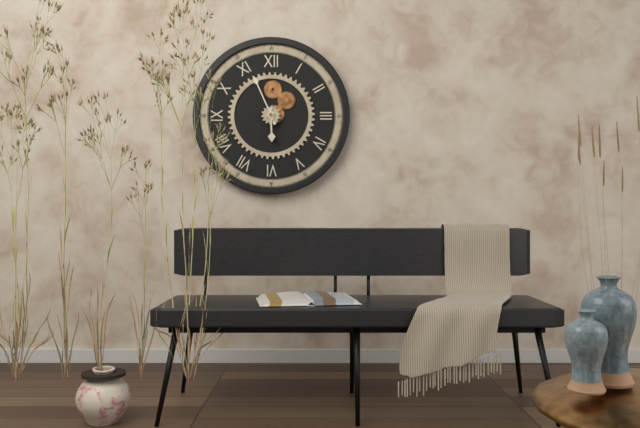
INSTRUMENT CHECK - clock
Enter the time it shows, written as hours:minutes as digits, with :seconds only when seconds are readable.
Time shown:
5:56
